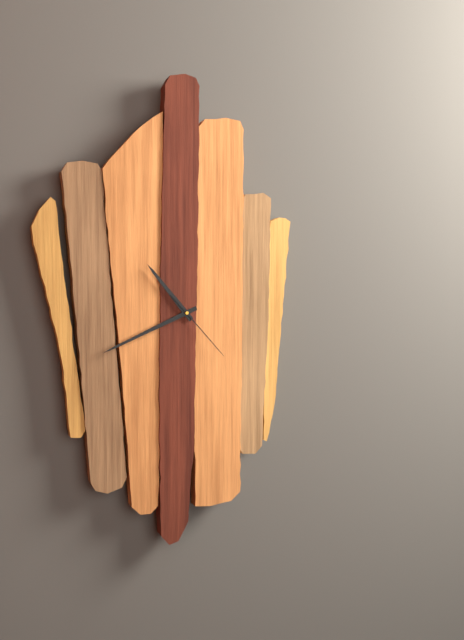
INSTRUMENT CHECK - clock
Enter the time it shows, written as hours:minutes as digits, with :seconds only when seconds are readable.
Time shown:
10:41:23
